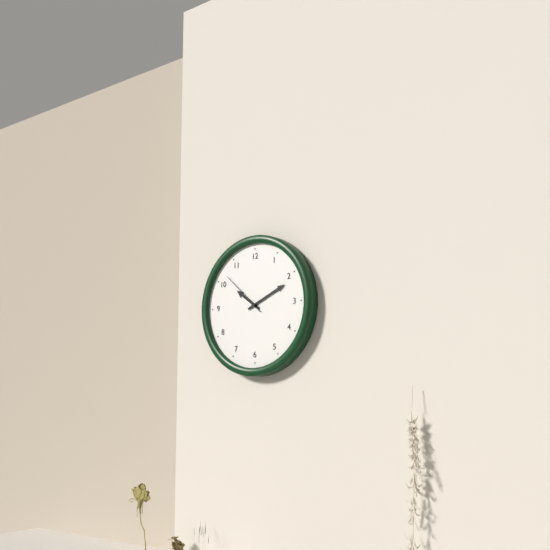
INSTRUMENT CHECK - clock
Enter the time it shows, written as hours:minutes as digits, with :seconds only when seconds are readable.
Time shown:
10:11
